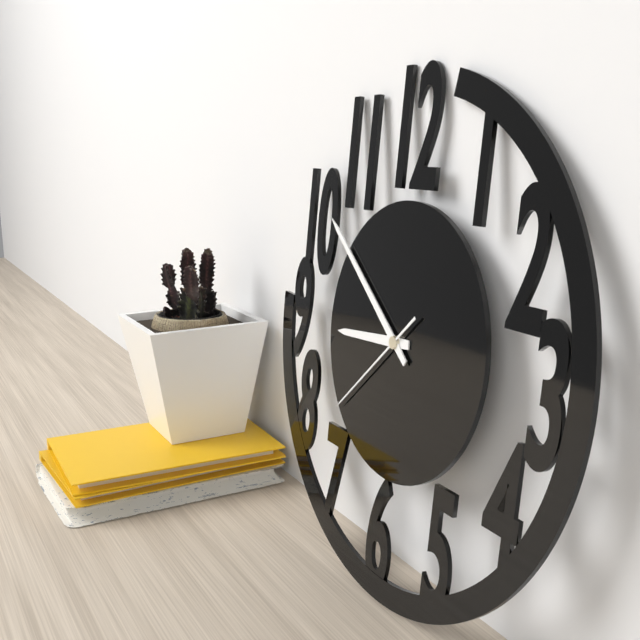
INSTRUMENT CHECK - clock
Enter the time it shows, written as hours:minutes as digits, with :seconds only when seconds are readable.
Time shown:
8:51:38
